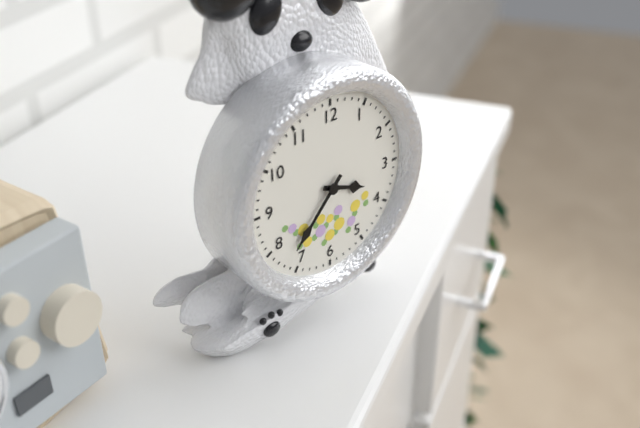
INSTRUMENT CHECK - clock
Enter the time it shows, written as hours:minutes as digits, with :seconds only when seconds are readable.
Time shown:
3:37
